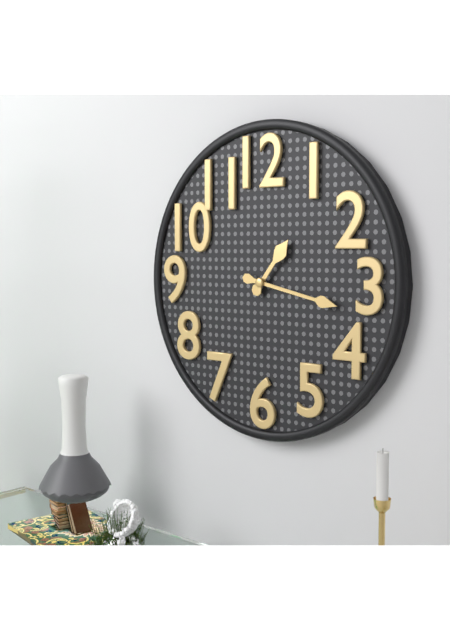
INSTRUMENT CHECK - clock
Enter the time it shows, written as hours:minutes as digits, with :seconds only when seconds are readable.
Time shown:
1:17
